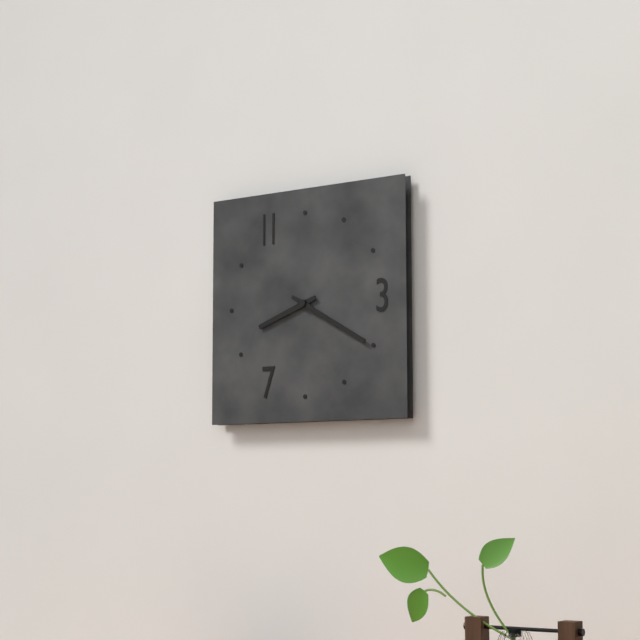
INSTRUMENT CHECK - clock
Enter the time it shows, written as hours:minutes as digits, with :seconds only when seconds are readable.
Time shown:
8:20
